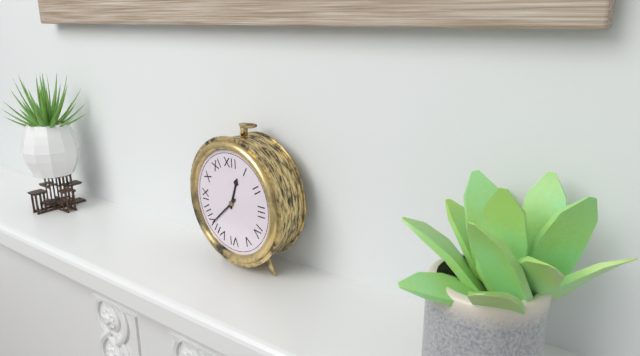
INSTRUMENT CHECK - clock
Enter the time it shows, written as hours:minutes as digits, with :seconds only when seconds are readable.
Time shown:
12:38
